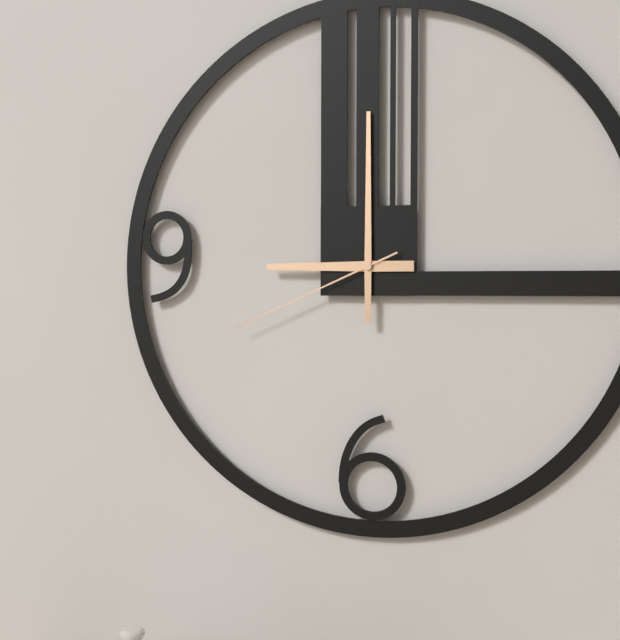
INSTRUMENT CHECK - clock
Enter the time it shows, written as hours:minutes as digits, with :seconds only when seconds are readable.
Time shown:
9:00:41
